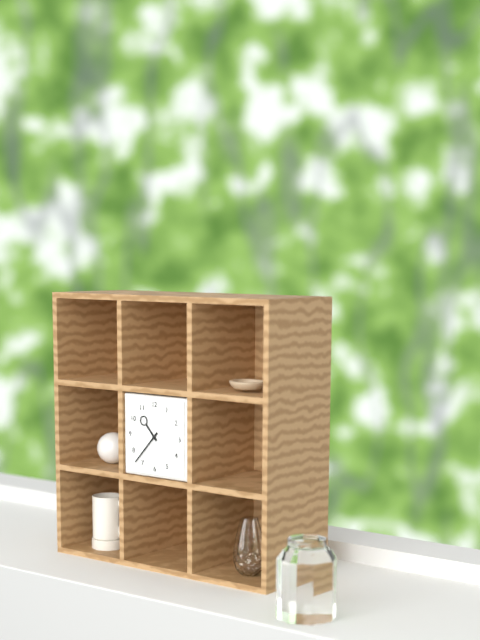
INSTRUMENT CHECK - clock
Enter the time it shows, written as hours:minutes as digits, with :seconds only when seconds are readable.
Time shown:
10:37
